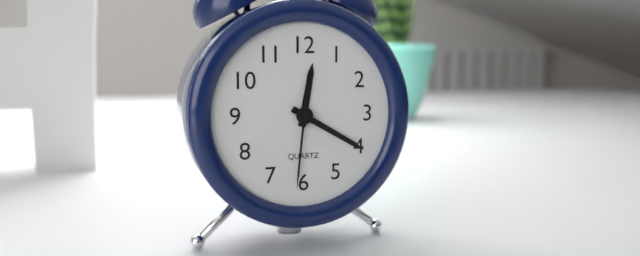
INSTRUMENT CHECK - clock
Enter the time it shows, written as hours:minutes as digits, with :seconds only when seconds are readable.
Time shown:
12:20:31
